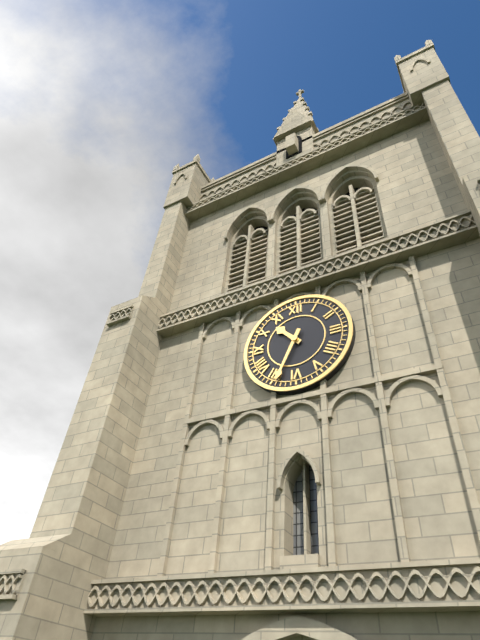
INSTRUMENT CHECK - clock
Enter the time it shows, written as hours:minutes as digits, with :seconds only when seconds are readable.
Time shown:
10:34
